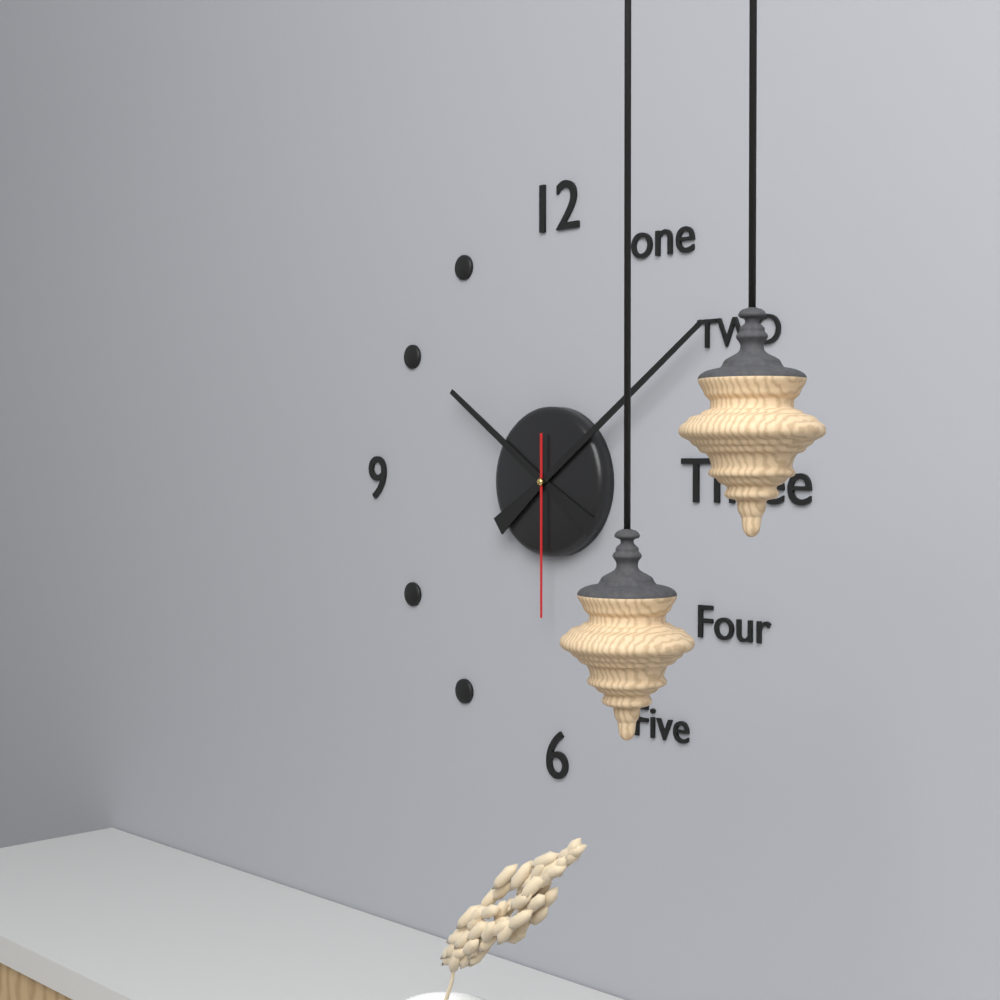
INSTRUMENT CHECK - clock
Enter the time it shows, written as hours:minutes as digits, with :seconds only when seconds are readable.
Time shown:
10:09:30
